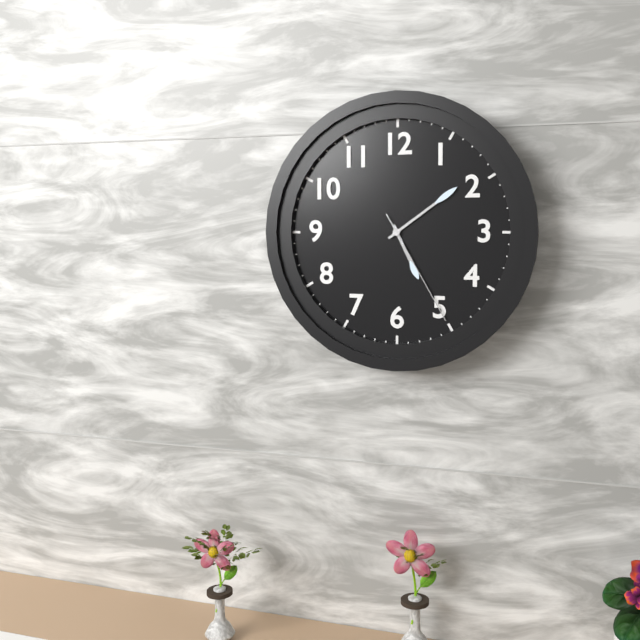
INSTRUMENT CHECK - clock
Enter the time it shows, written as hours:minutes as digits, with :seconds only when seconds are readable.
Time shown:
5:09:25
